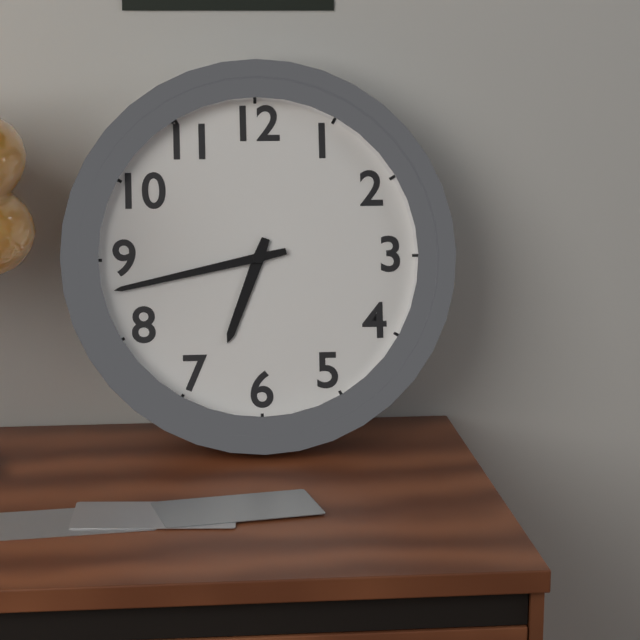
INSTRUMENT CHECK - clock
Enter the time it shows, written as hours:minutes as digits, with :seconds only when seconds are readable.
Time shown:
6:43
